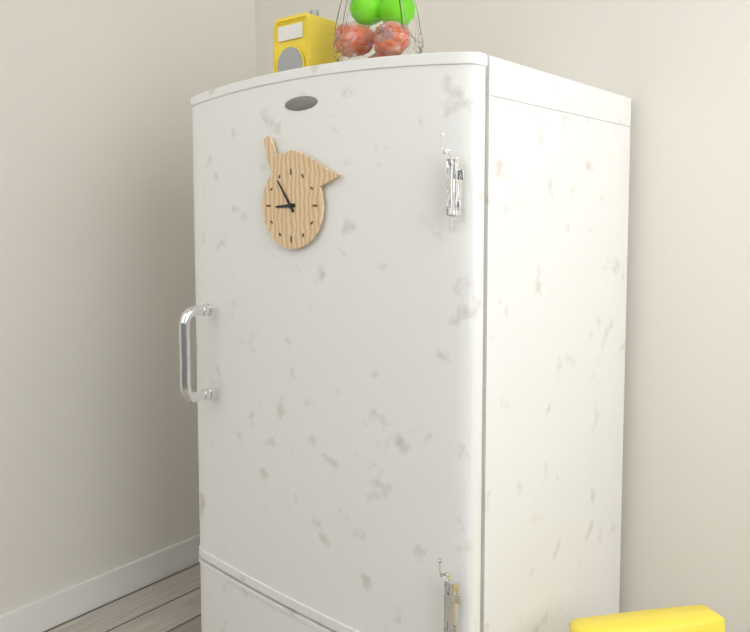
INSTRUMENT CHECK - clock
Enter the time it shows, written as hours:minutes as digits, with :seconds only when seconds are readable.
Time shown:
8:54
